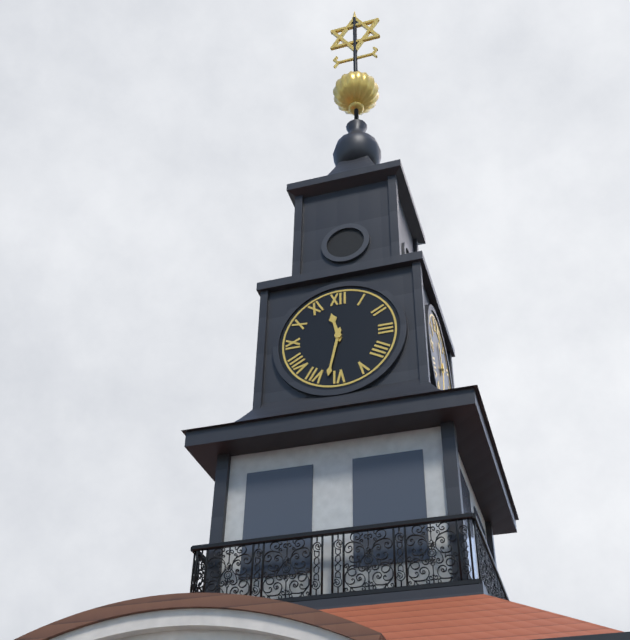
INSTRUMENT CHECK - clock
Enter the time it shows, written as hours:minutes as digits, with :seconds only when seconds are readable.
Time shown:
11:32
